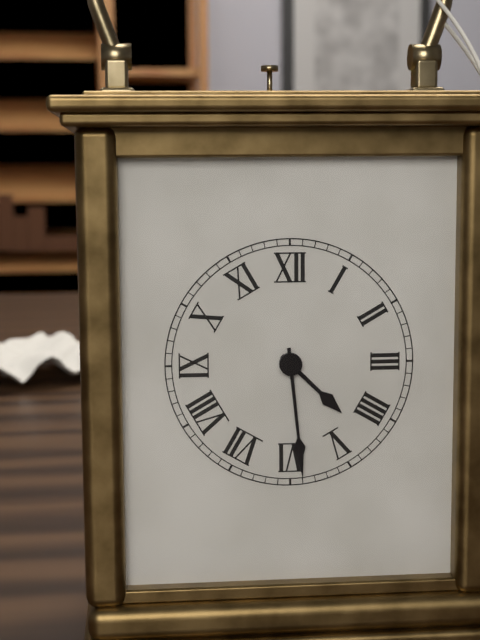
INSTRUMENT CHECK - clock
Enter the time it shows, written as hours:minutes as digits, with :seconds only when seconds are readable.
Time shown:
4:29
